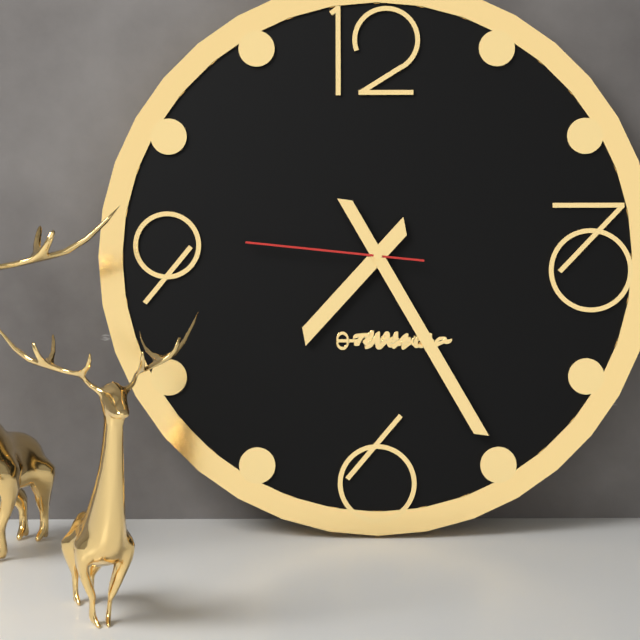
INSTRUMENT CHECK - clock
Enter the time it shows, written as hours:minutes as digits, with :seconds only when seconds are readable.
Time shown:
7:25:46
